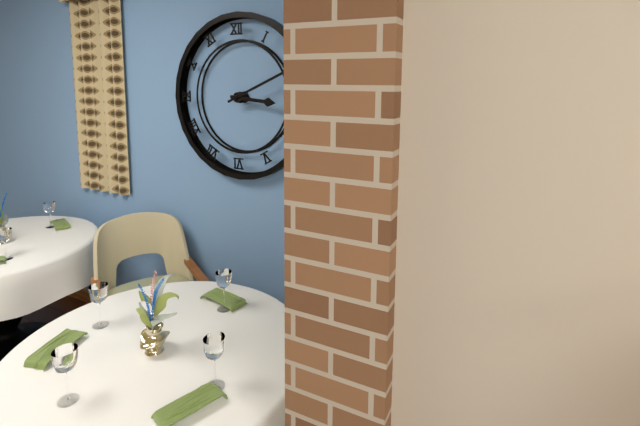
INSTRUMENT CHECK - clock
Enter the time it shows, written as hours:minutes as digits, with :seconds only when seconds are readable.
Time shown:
3:11
